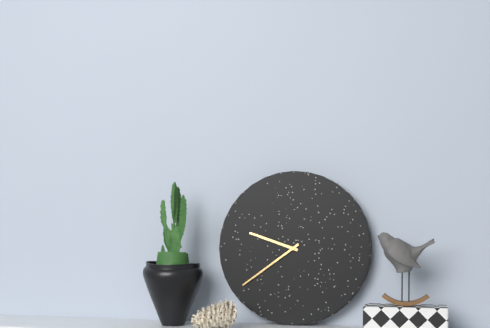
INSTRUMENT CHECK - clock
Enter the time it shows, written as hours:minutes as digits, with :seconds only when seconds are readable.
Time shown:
9:39
